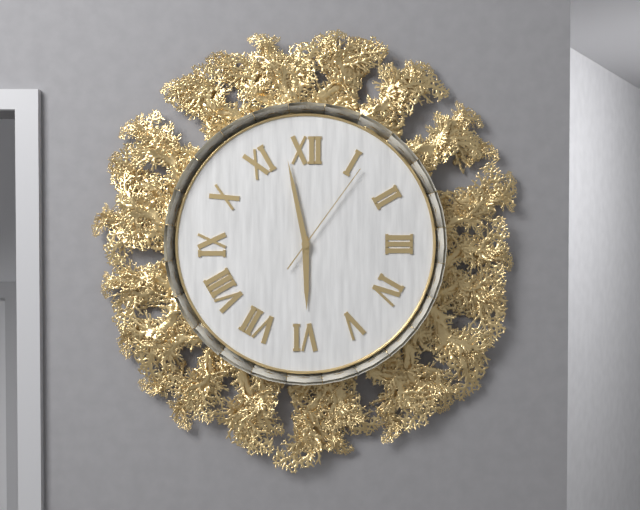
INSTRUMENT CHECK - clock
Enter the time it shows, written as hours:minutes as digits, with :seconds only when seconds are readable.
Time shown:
5:58:06
